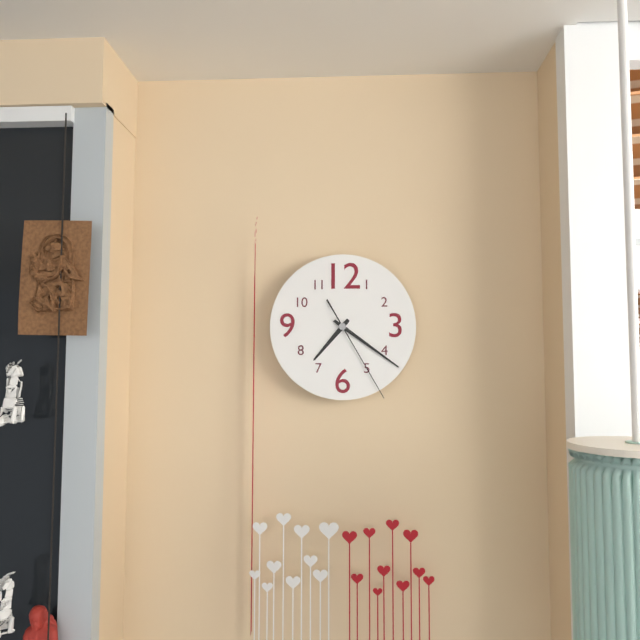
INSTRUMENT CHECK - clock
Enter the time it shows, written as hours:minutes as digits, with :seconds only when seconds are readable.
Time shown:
7:21:25
